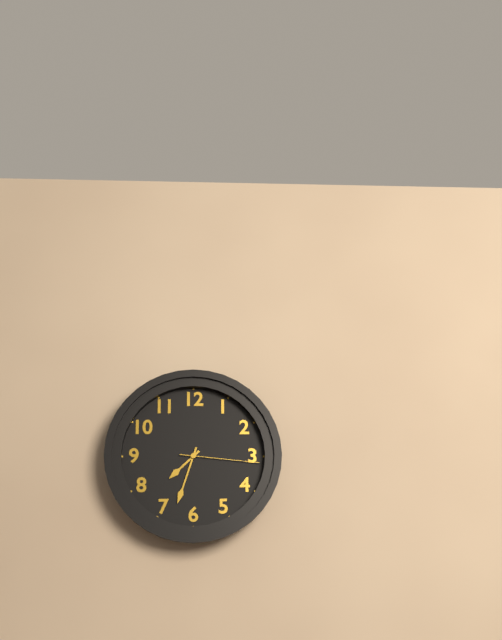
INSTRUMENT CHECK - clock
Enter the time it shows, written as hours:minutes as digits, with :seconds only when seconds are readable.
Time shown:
7:33:16
